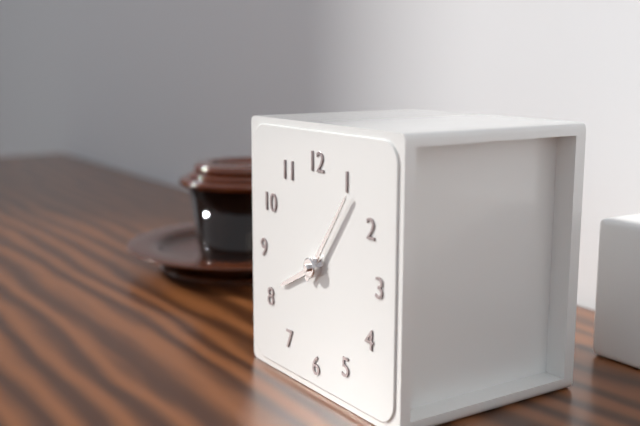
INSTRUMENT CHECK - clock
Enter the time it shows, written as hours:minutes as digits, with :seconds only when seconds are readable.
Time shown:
8:06
